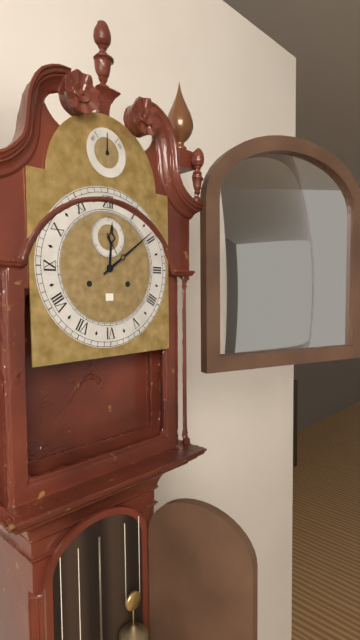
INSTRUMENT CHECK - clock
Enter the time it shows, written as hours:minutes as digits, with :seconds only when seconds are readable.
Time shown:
12:09
